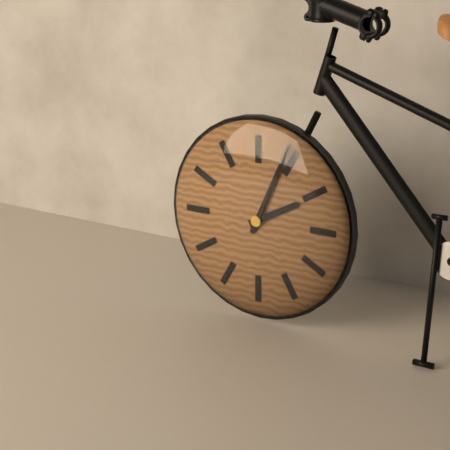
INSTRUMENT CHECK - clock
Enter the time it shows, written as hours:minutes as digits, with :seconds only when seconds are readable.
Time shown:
2:04
